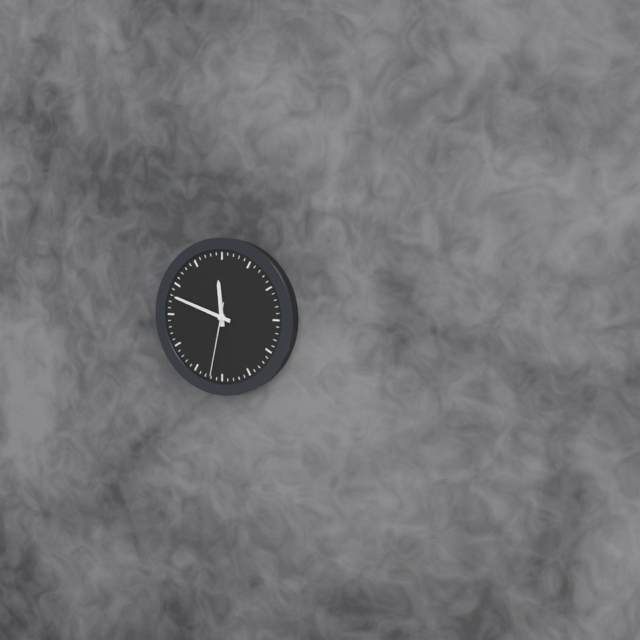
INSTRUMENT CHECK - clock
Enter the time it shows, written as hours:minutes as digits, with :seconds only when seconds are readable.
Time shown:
11:48:32
